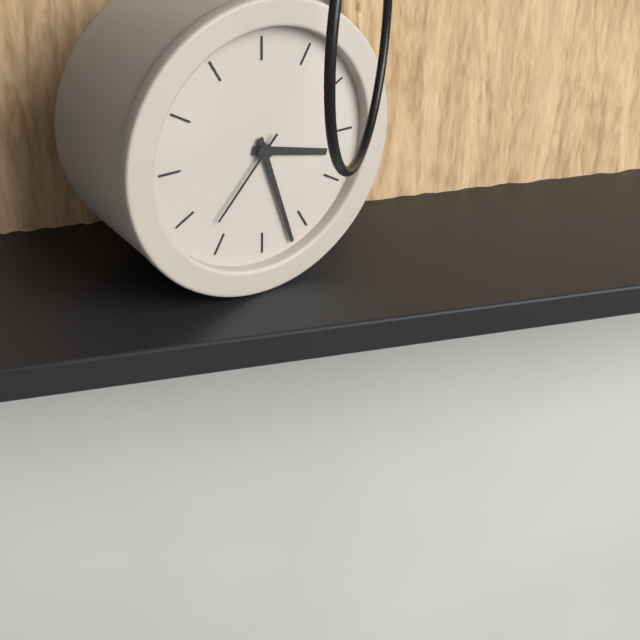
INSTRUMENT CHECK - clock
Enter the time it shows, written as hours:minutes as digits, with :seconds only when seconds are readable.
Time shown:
3:27:37
